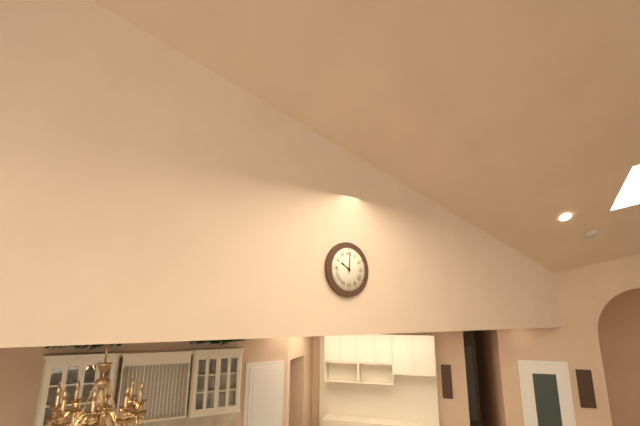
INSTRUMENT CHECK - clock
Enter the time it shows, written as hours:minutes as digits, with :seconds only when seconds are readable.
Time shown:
10:01
